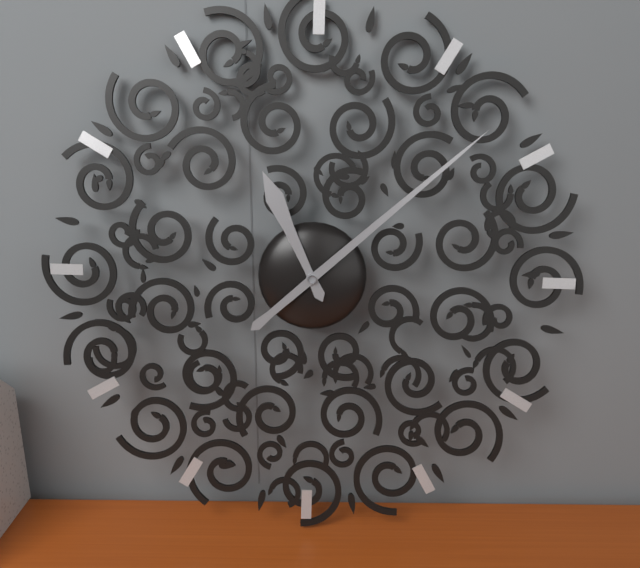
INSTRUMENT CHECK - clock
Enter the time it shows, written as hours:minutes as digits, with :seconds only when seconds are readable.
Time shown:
11:08
